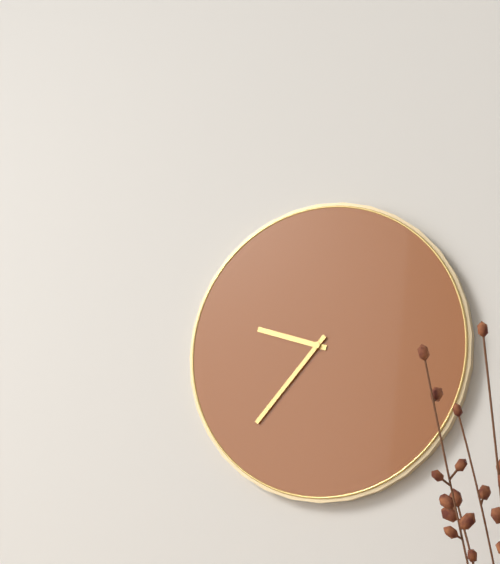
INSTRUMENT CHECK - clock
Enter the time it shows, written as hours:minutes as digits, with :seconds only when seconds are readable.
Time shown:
9:37
